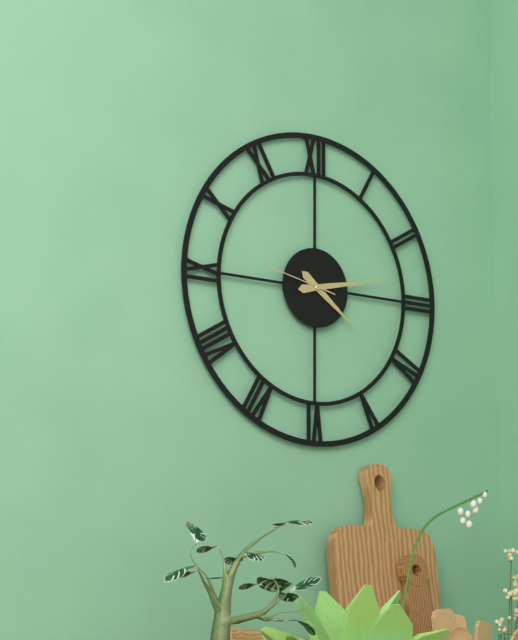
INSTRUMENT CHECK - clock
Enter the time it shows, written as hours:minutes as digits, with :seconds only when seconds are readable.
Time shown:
4:13:47
